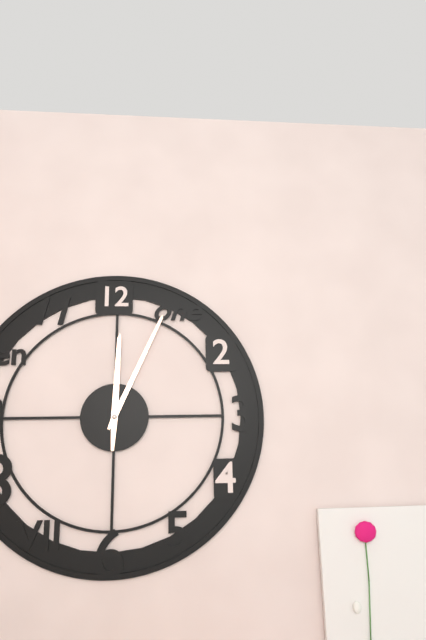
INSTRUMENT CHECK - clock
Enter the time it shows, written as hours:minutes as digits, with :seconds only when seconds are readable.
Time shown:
12:04
